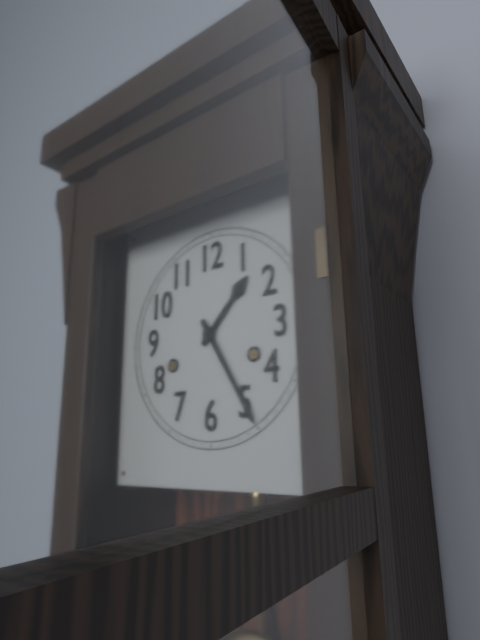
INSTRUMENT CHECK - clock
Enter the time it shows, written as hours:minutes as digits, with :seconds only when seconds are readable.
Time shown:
1:25
